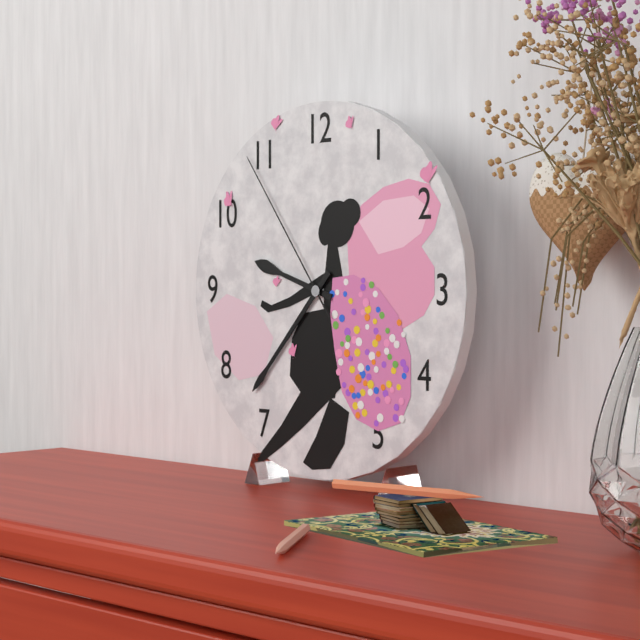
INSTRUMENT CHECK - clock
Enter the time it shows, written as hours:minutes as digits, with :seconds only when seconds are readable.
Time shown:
9:37:54
